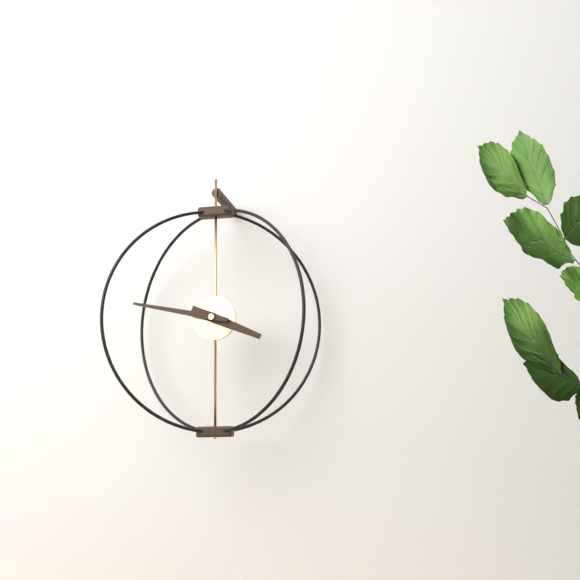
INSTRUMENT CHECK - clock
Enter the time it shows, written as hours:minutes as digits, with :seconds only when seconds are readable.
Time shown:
3:47
